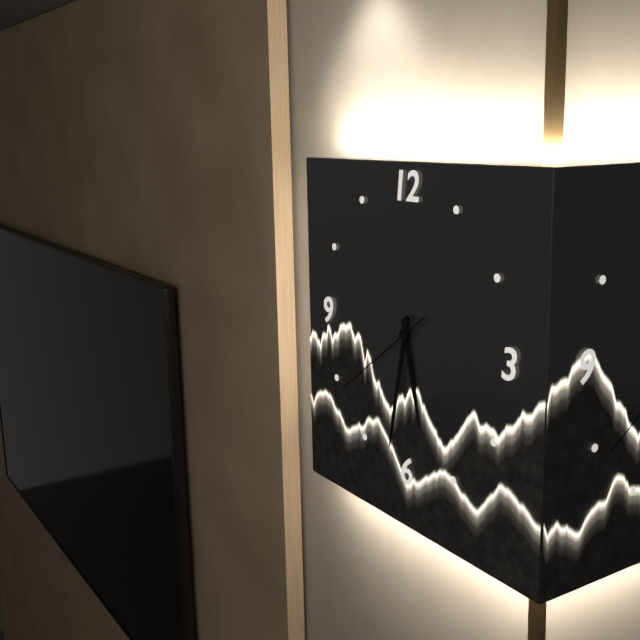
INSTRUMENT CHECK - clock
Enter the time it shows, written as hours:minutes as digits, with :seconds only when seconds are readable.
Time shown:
5:32:39
